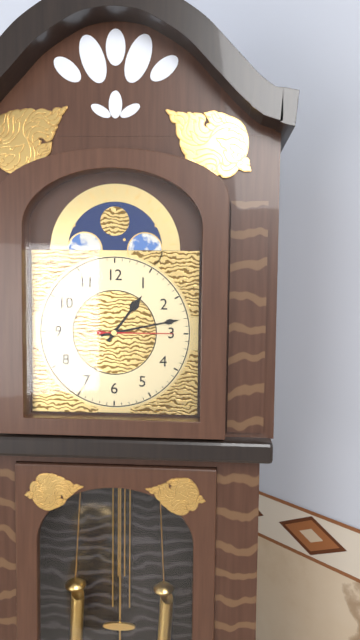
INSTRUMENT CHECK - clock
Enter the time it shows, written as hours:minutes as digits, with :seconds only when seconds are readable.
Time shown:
1:13:15
